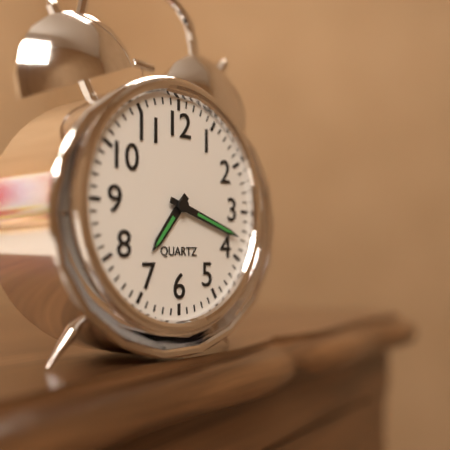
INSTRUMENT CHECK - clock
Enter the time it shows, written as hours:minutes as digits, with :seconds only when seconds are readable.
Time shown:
7:18
